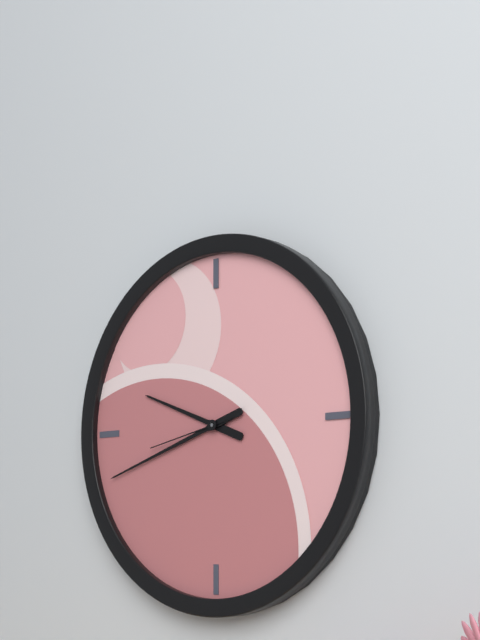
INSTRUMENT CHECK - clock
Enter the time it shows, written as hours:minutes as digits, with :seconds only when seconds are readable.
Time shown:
9:42:43
